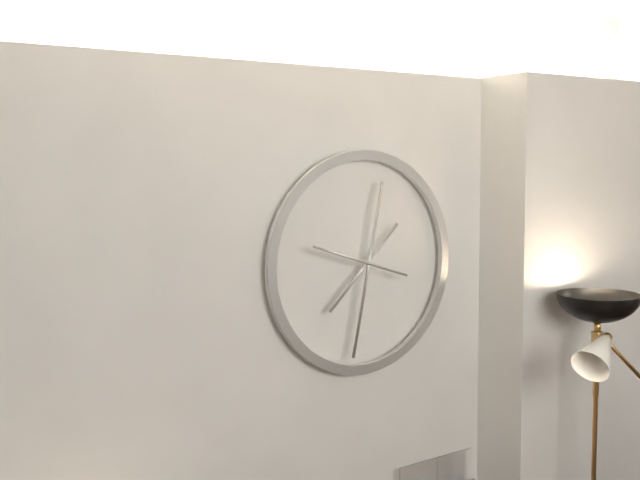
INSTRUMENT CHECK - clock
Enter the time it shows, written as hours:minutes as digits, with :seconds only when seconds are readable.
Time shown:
7:32:48
